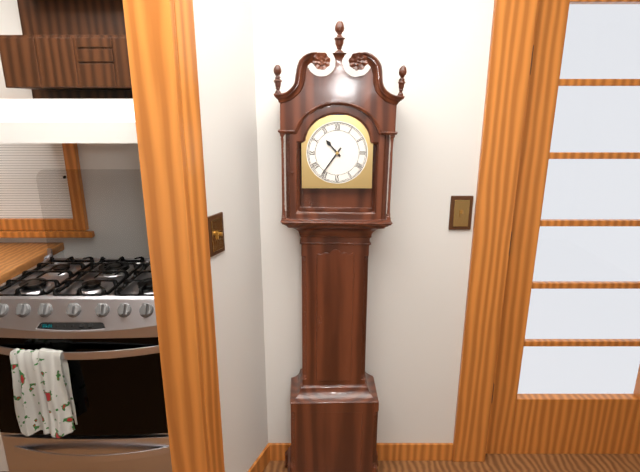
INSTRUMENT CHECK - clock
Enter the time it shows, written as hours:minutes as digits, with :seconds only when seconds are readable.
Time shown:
10:36
